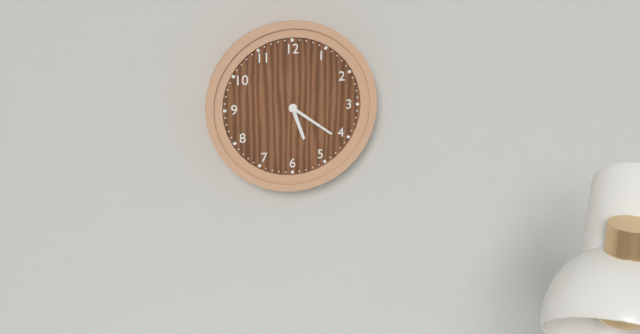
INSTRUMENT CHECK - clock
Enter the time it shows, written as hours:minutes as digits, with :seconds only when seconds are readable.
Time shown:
5:21
